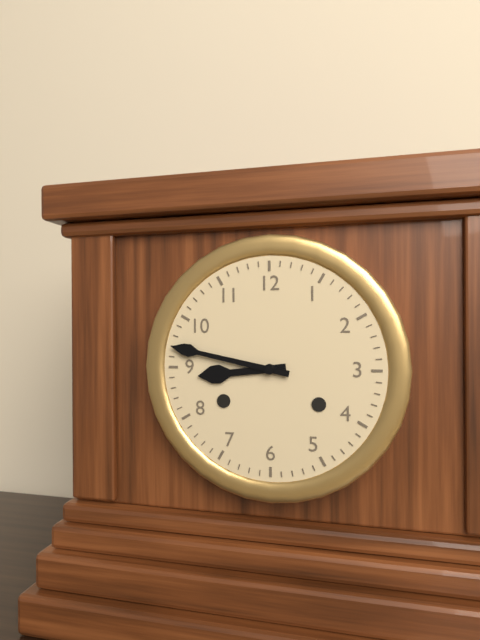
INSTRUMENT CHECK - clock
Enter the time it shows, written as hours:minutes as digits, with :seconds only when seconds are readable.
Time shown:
8:47
